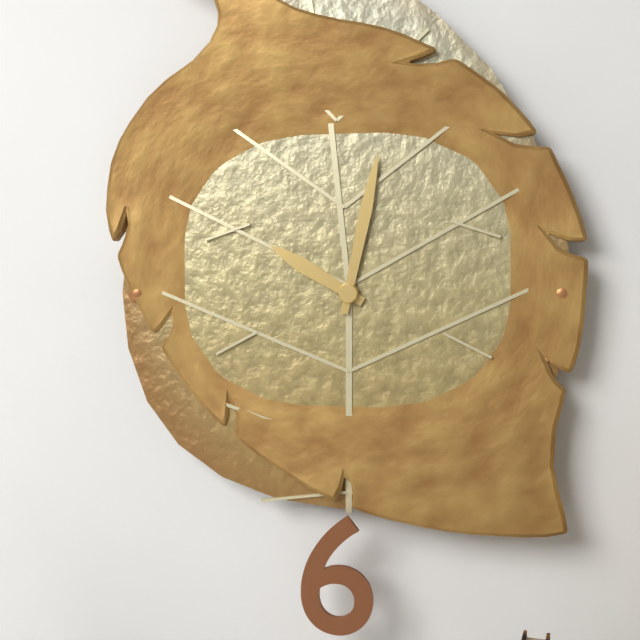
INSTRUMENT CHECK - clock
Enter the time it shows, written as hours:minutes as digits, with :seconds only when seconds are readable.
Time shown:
10:02
